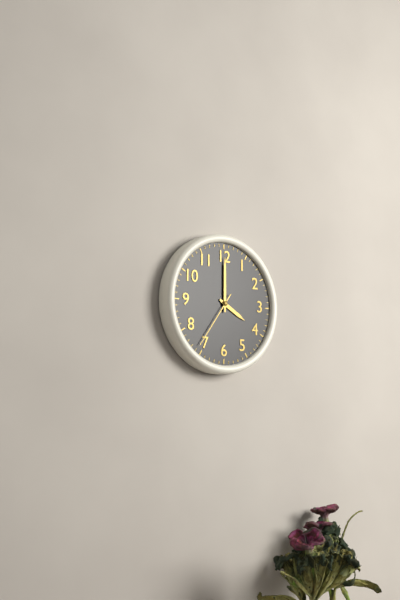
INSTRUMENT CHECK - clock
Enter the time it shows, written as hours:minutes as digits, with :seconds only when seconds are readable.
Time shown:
4:00:36
